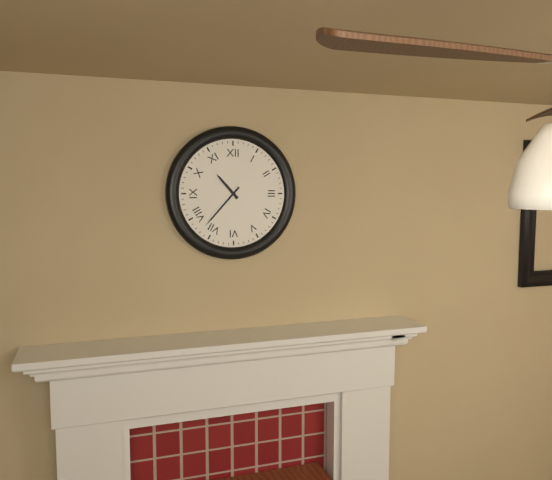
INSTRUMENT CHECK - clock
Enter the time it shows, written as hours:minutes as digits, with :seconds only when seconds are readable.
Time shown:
10:37
